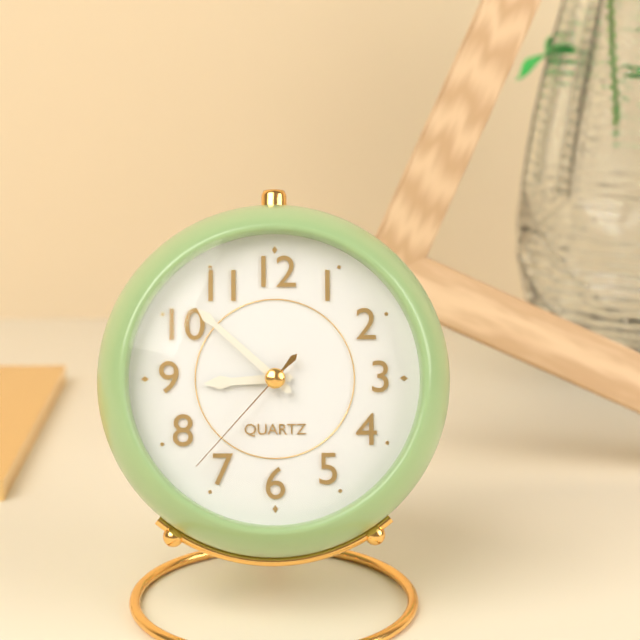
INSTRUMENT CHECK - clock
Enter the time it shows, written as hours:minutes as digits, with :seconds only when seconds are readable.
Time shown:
8:52:37
